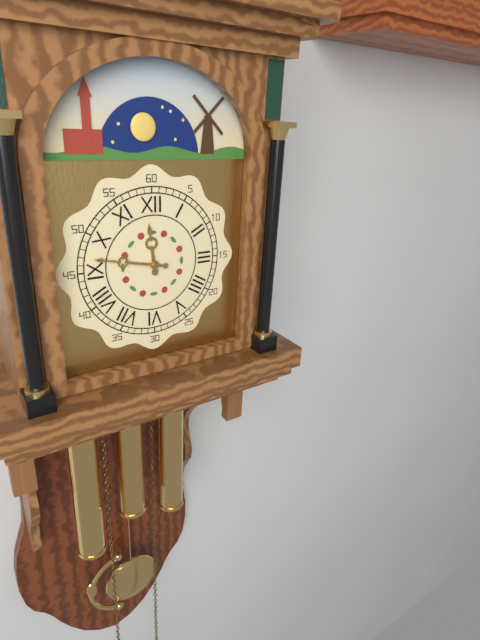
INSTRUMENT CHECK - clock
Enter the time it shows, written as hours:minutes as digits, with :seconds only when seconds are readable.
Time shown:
11:47
